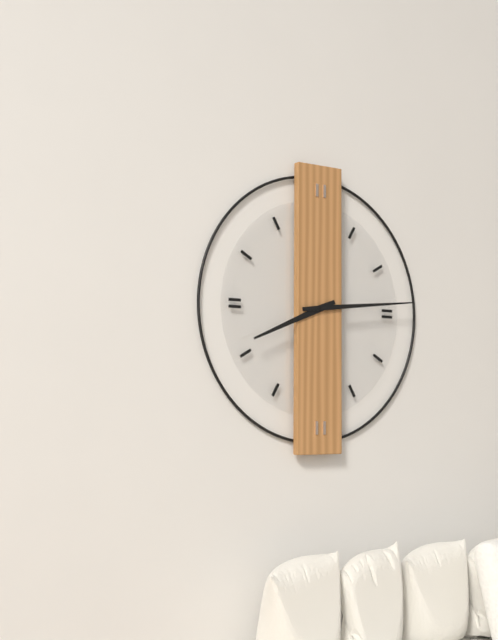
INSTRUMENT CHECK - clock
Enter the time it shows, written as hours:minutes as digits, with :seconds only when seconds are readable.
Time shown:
8:14
